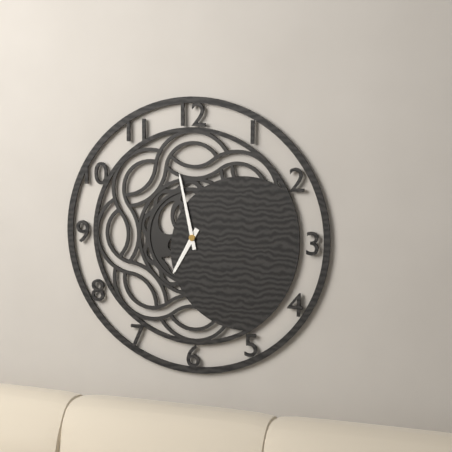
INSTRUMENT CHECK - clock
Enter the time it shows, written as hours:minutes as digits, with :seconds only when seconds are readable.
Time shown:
6:58
